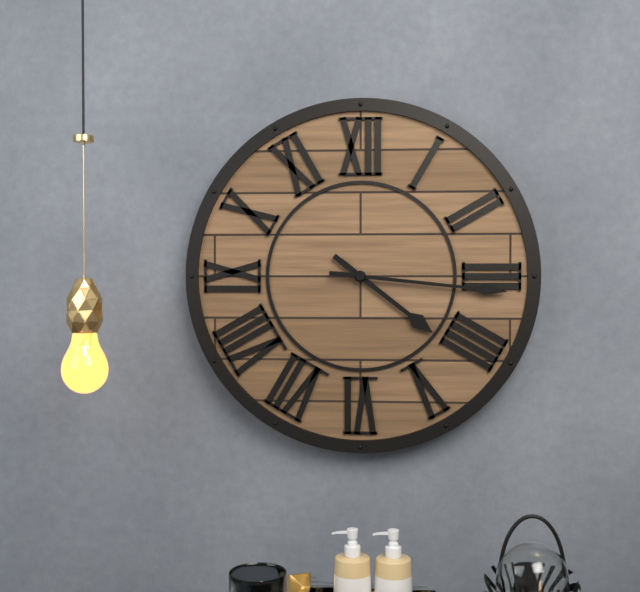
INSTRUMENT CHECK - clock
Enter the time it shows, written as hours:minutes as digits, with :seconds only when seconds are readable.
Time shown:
4:16
